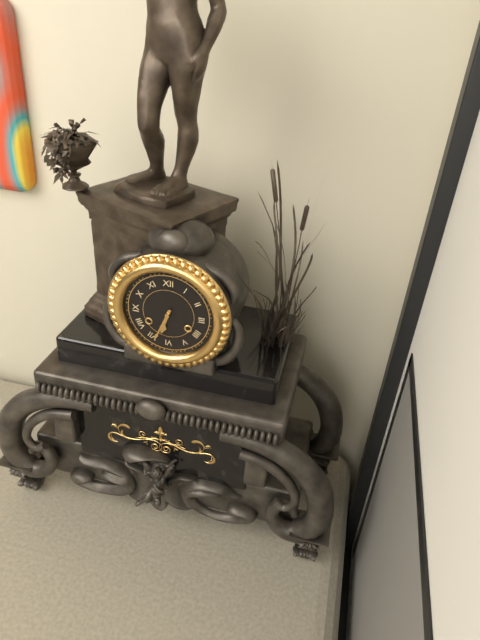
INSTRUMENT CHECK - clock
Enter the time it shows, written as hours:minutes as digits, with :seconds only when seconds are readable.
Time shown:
6:34
